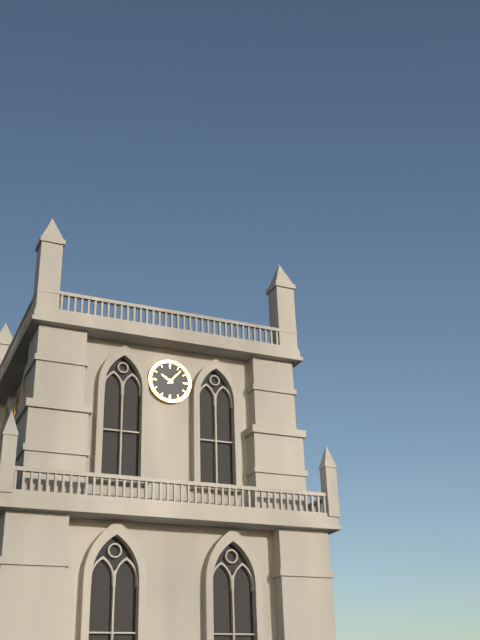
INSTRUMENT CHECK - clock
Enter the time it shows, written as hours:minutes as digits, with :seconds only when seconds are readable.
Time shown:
10:07
